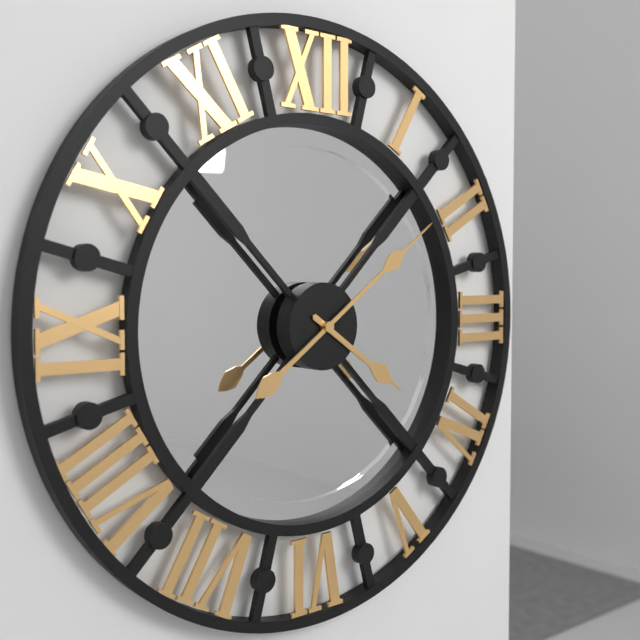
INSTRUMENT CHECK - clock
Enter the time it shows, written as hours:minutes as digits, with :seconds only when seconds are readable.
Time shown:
4:09
